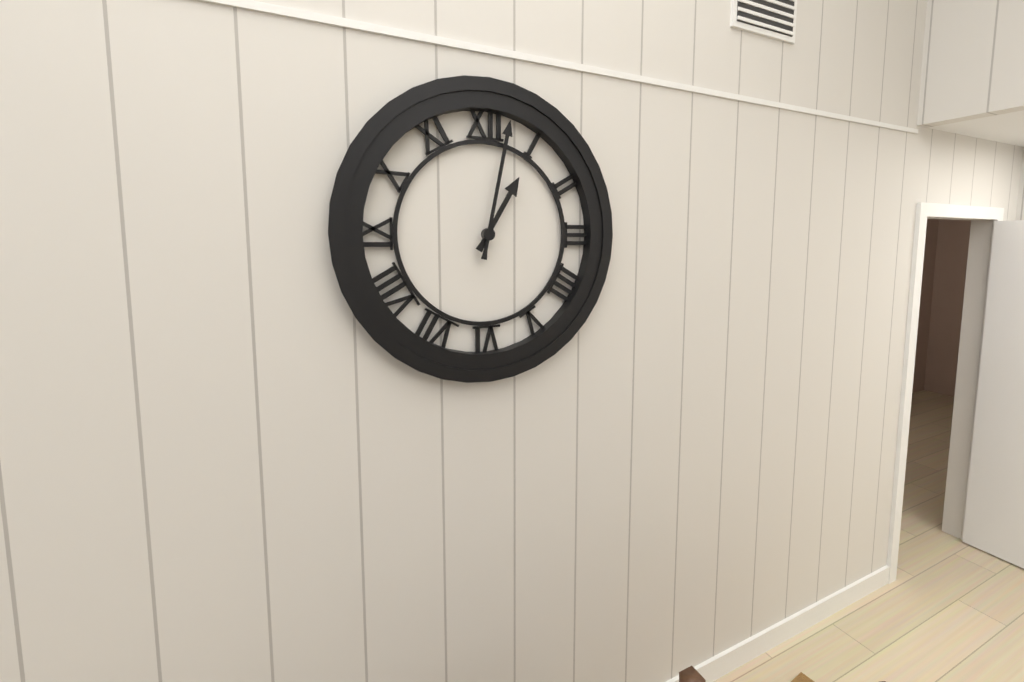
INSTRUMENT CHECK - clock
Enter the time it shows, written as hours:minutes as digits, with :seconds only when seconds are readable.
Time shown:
1:02
